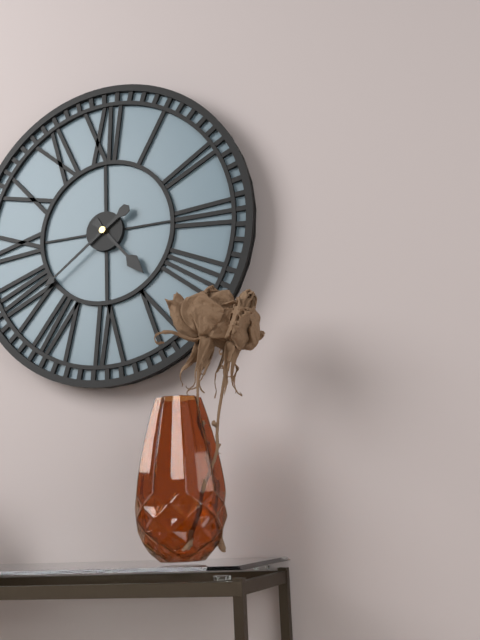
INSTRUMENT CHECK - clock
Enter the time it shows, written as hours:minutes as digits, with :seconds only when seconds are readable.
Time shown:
4:39
